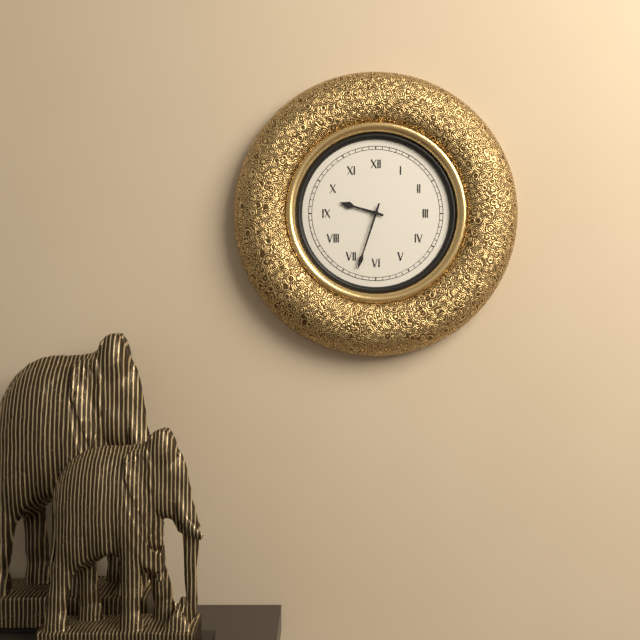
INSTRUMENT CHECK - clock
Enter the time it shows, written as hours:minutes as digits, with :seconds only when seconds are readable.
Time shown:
9:33
